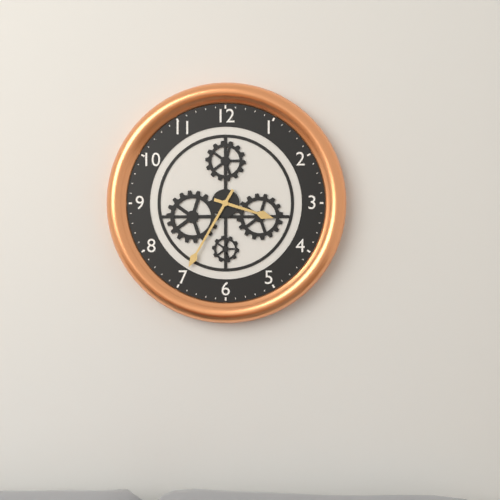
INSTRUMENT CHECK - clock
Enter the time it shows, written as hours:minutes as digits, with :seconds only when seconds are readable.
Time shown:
3:35
